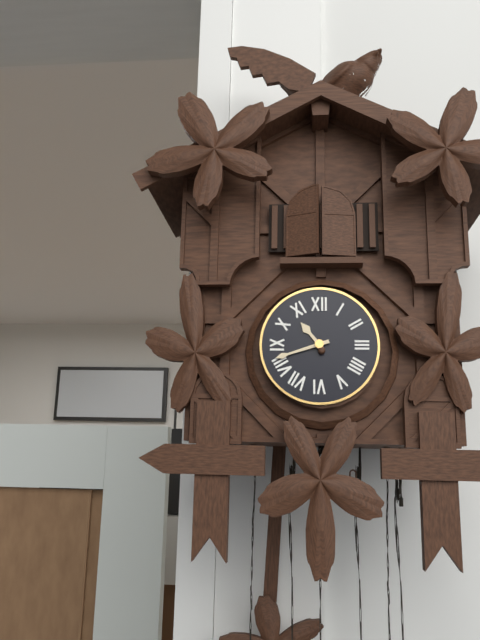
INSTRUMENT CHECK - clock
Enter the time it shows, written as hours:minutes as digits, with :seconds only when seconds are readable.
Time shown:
10:42
